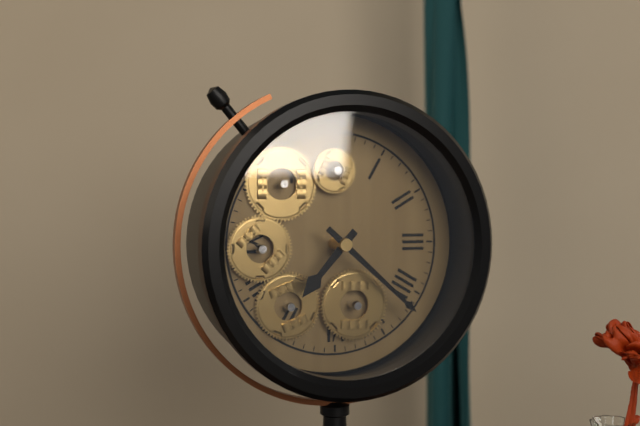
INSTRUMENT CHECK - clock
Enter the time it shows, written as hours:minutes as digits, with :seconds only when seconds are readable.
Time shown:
7:22
